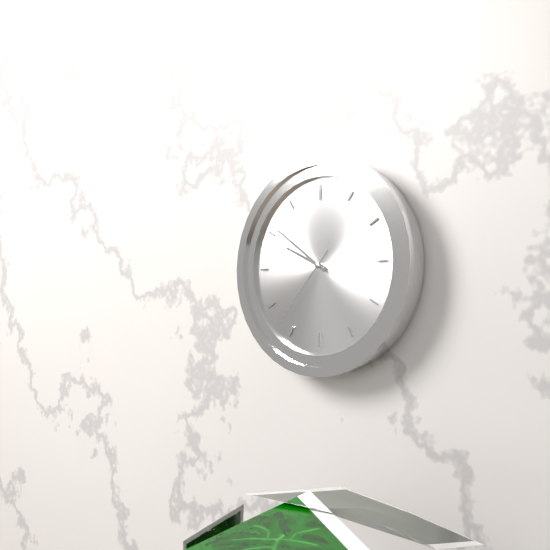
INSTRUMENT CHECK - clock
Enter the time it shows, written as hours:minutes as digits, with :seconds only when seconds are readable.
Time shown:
9:51:37
